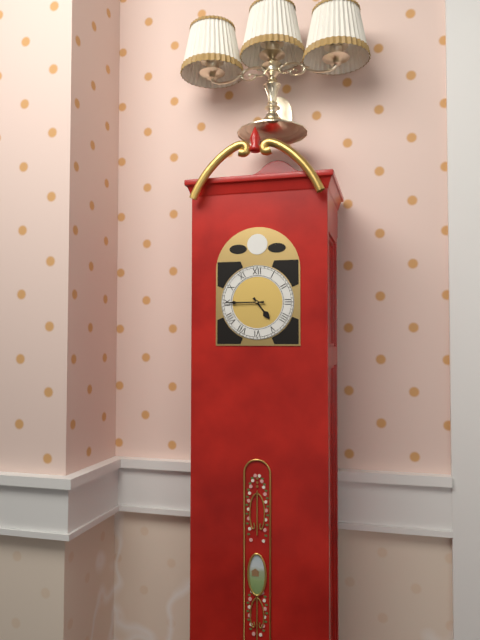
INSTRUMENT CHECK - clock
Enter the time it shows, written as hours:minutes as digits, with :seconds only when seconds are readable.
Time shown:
4:45
